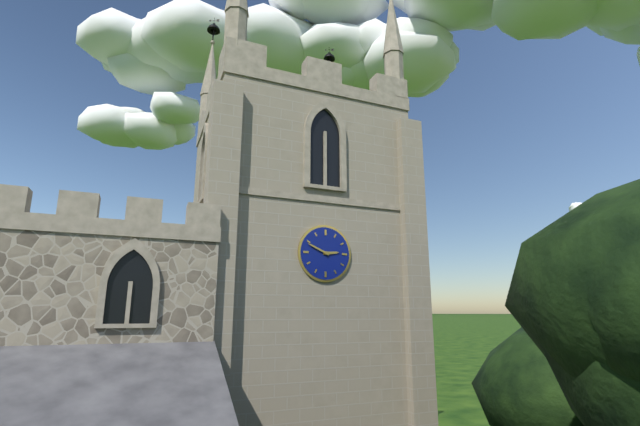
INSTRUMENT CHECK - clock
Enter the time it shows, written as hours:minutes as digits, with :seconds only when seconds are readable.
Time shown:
2:49
